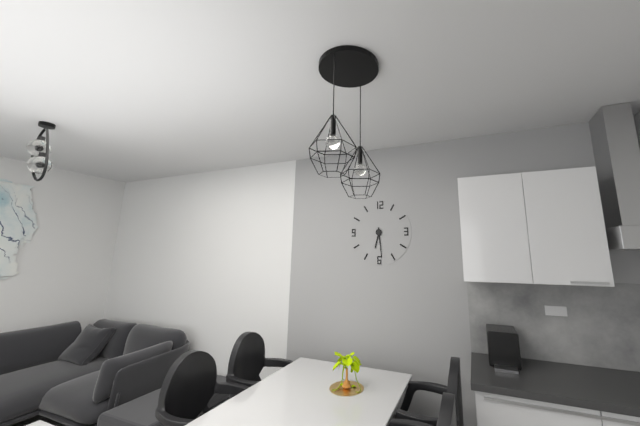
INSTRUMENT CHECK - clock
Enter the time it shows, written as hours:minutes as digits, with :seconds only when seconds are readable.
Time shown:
6:29
